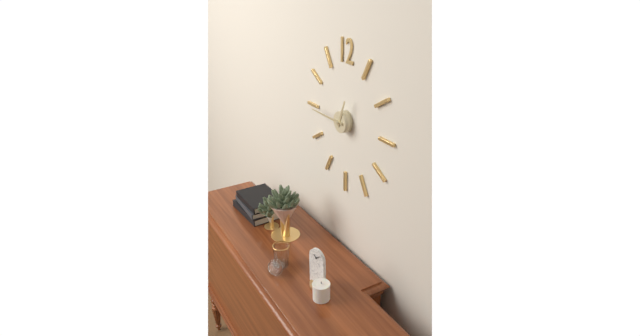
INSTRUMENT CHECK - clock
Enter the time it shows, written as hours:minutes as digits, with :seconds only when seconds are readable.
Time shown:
12:45
